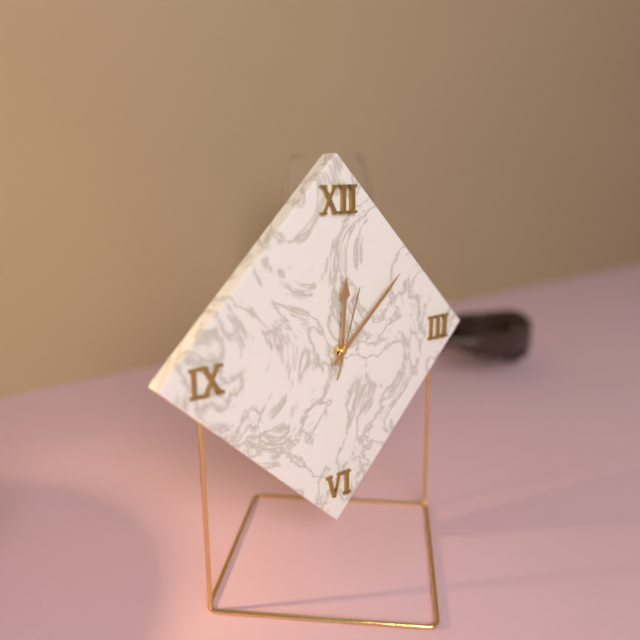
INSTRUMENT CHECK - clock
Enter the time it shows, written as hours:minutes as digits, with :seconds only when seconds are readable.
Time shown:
12:08:03
